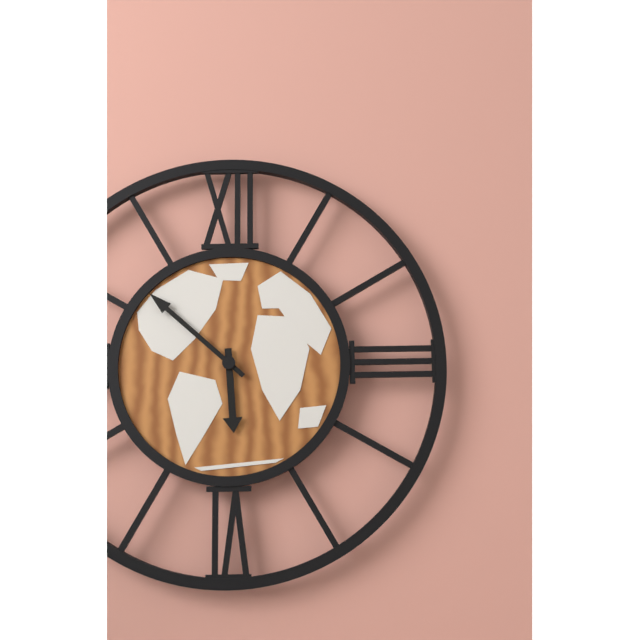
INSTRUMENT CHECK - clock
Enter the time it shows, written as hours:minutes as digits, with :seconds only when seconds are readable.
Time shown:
5:52
